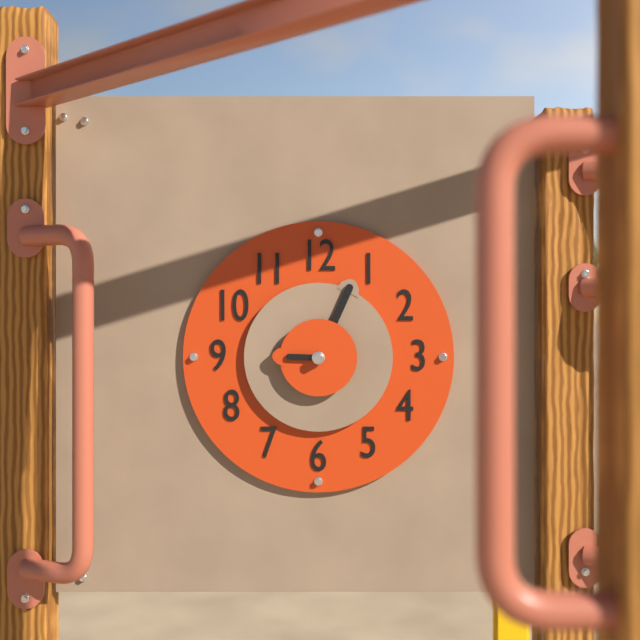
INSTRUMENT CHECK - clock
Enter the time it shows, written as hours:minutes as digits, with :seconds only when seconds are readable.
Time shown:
9:04
